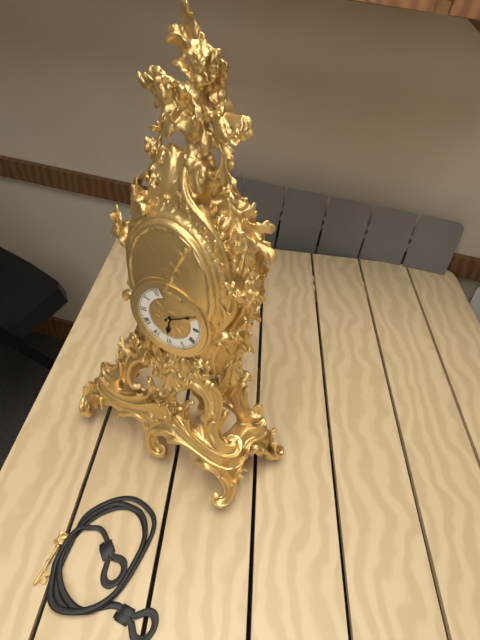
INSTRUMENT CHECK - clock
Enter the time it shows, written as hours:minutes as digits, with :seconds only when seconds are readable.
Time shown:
6:10
